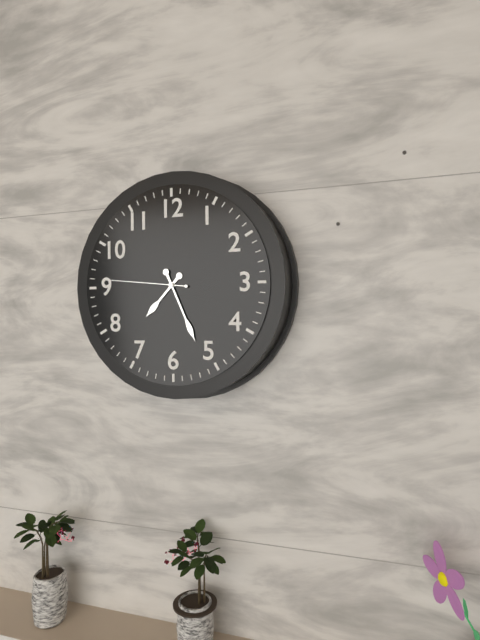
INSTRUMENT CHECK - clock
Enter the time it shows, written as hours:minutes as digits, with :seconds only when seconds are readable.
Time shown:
7:26:46
